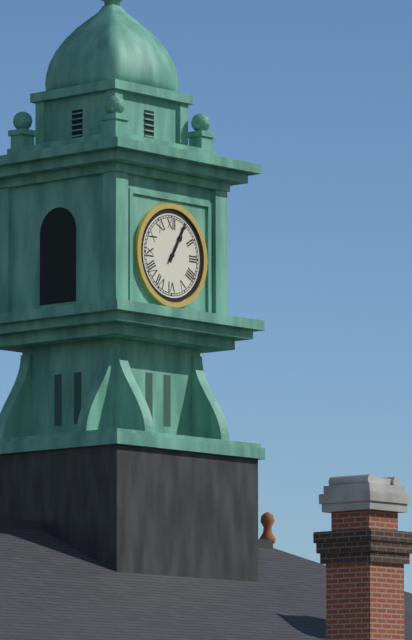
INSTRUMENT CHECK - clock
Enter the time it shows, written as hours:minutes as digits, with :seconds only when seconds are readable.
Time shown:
1:05
